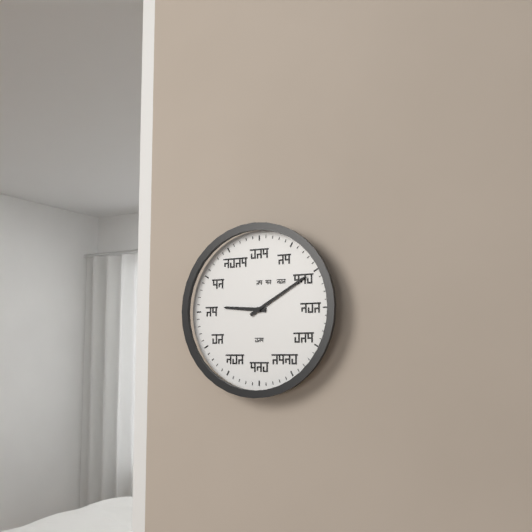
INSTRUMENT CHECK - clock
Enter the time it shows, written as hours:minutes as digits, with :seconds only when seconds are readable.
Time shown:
9:10
